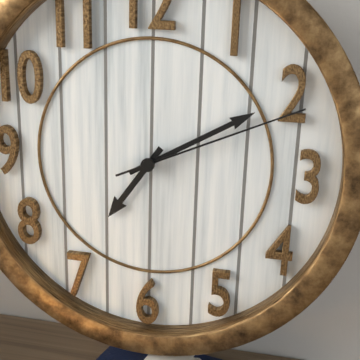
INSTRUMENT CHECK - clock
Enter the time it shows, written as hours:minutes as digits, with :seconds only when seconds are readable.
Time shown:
7:10:11
